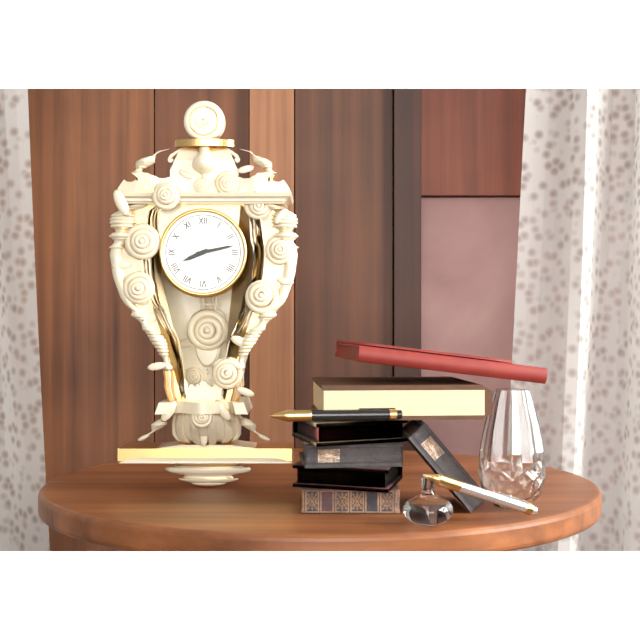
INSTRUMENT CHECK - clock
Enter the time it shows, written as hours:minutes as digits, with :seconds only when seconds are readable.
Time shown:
8:13
